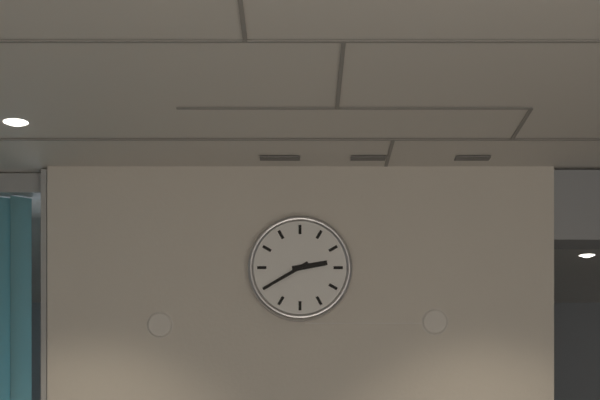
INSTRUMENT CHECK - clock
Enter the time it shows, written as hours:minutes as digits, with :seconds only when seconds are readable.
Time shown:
2:40
